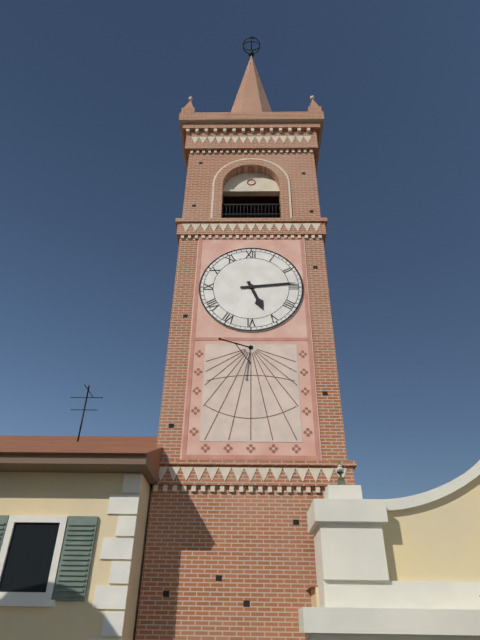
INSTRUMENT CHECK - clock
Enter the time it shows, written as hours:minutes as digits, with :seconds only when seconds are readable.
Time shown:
5:14
